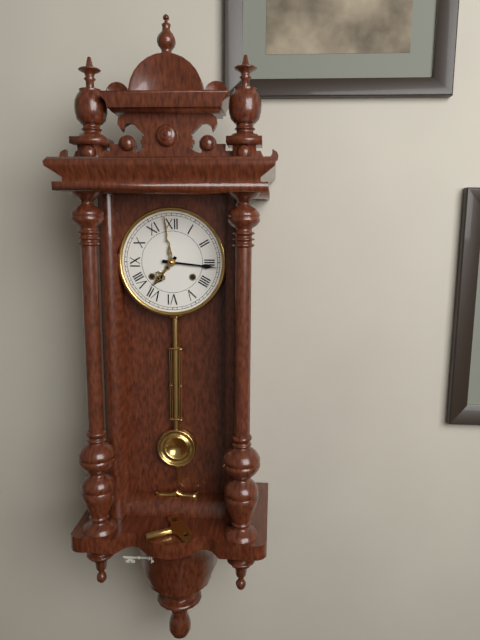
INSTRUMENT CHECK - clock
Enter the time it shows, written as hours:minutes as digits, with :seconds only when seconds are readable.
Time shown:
7:16
